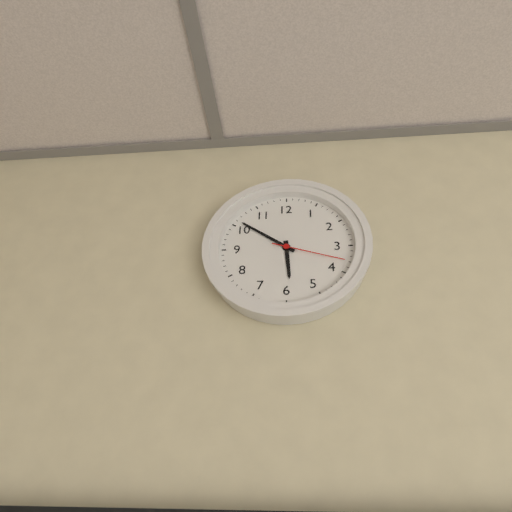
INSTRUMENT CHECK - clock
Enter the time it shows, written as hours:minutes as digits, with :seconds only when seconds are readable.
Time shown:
5:51:18
